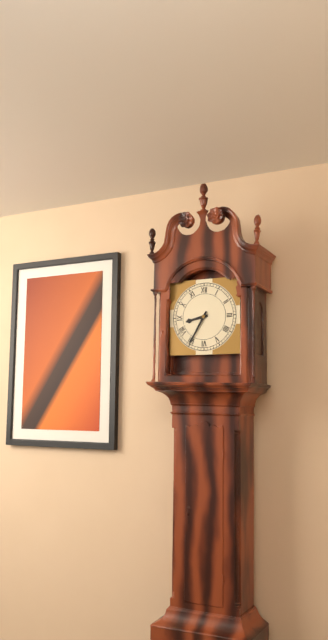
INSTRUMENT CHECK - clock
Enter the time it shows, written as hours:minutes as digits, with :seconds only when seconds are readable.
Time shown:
8:35
